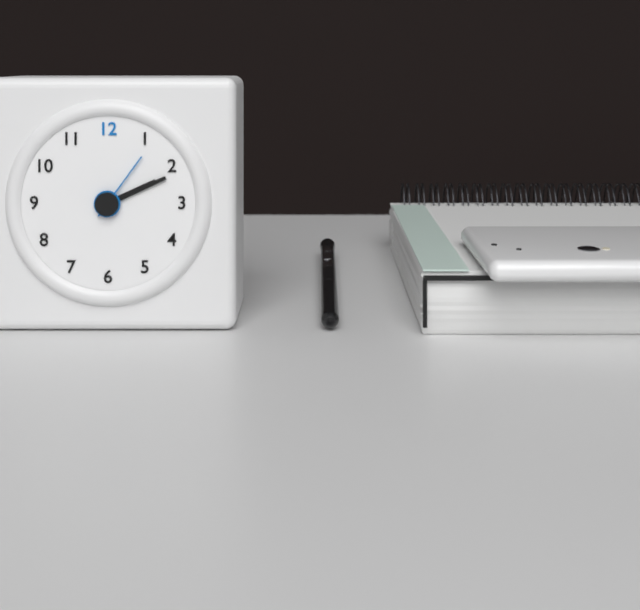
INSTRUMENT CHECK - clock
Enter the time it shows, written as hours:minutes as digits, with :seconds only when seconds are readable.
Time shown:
2:11:06
